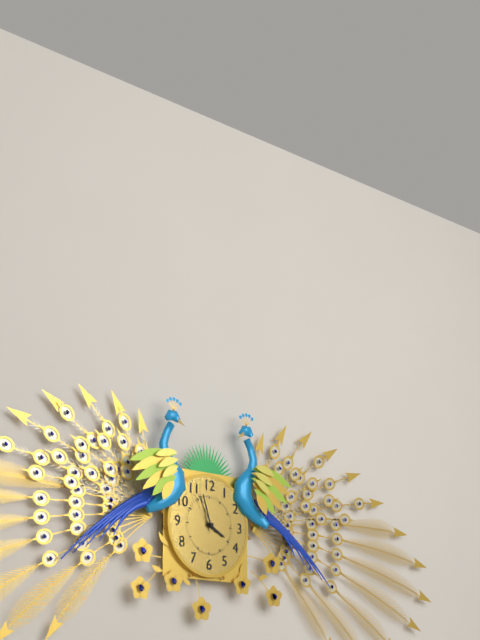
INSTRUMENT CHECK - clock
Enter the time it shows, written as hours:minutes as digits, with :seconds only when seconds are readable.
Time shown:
3:57
